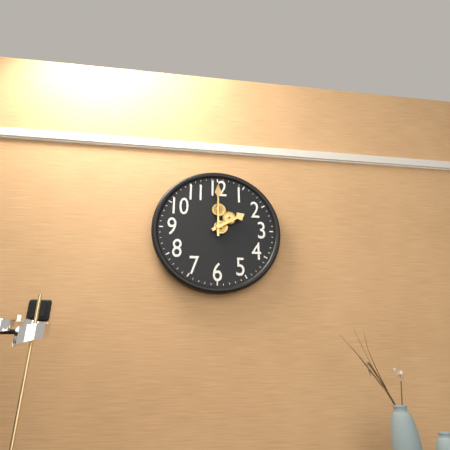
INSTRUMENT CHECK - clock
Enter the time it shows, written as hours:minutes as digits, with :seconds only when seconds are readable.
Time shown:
2:00
